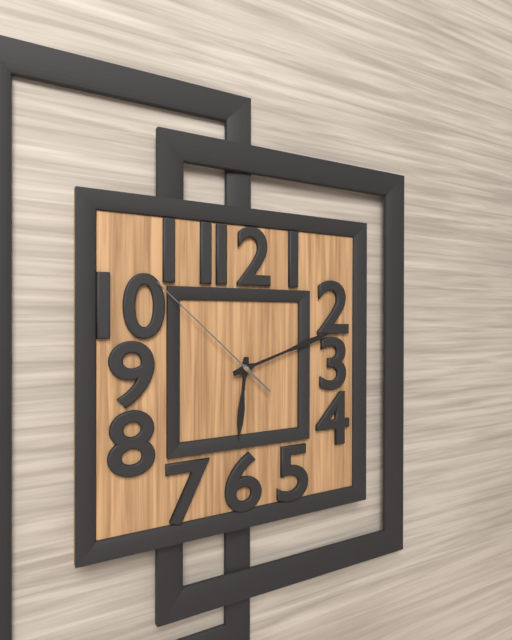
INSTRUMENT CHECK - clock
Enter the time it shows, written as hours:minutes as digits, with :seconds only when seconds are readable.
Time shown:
6:12:52
